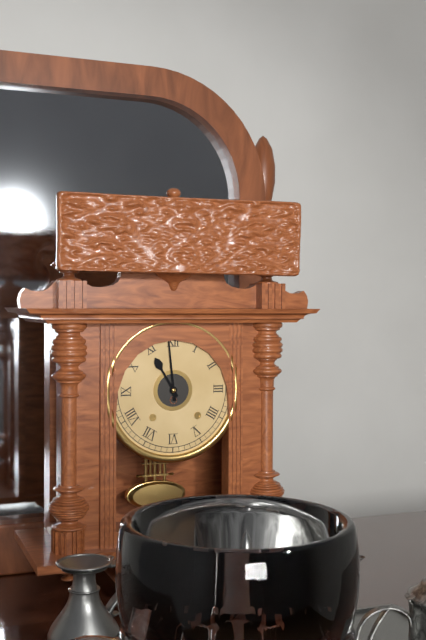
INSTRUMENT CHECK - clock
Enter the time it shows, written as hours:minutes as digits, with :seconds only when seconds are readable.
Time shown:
10:59
